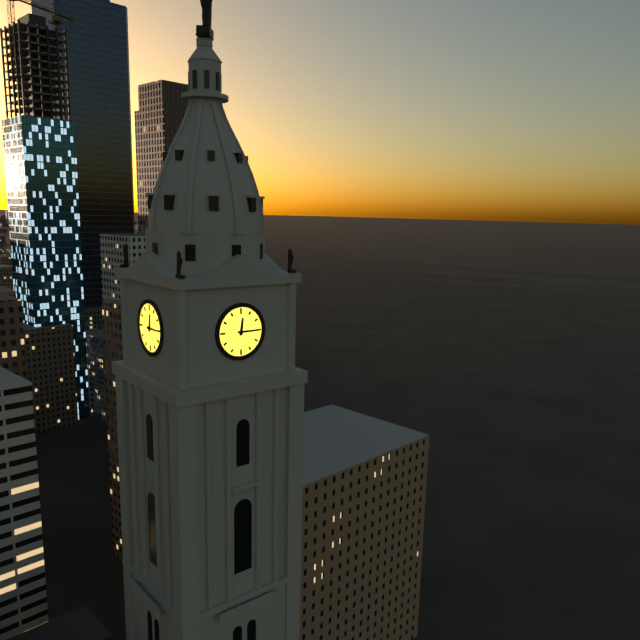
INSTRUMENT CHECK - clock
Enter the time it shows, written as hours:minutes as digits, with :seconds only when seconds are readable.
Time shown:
12:15
